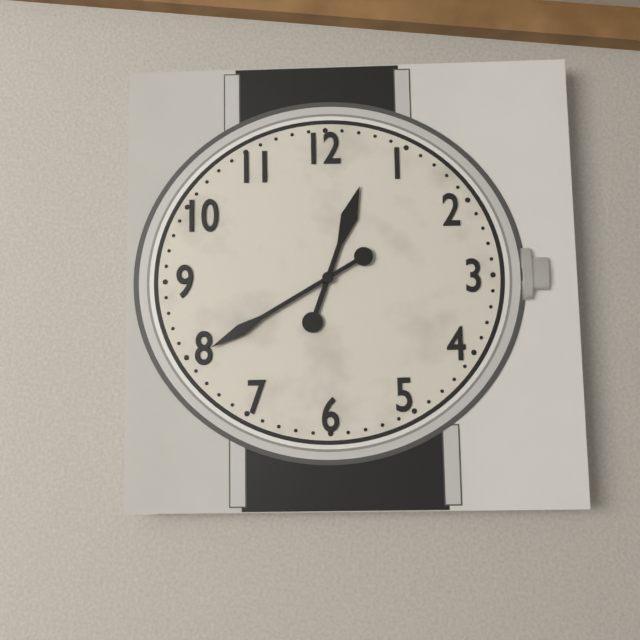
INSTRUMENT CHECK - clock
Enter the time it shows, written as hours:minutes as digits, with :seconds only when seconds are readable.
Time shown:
12:40
